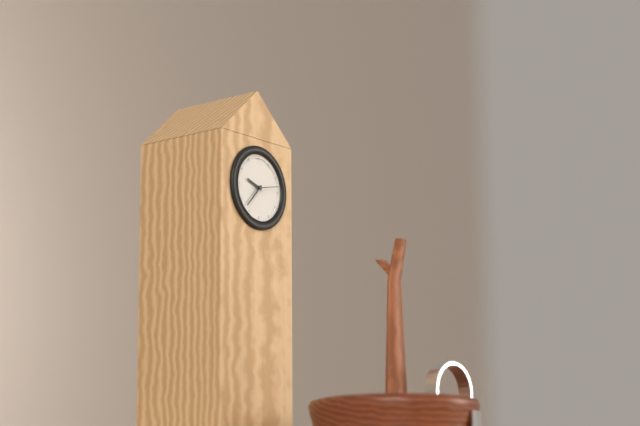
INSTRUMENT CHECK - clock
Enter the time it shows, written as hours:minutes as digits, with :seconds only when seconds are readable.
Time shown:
9:37
